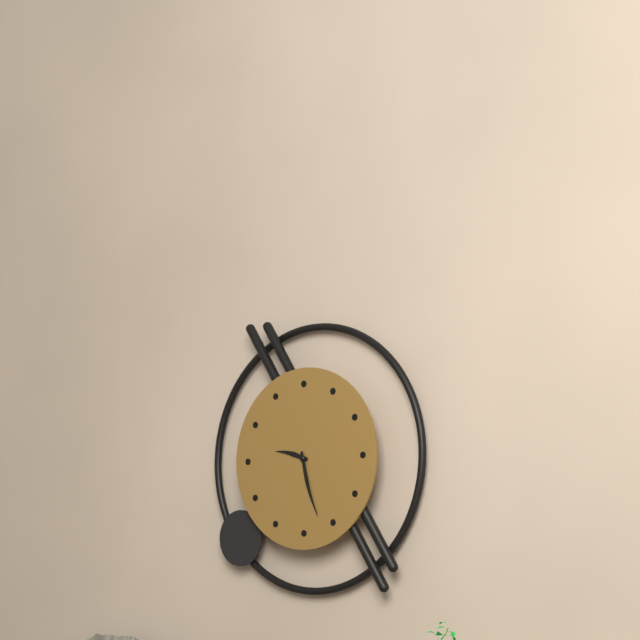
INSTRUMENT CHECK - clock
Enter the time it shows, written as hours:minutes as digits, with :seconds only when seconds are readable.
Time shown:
9:27
